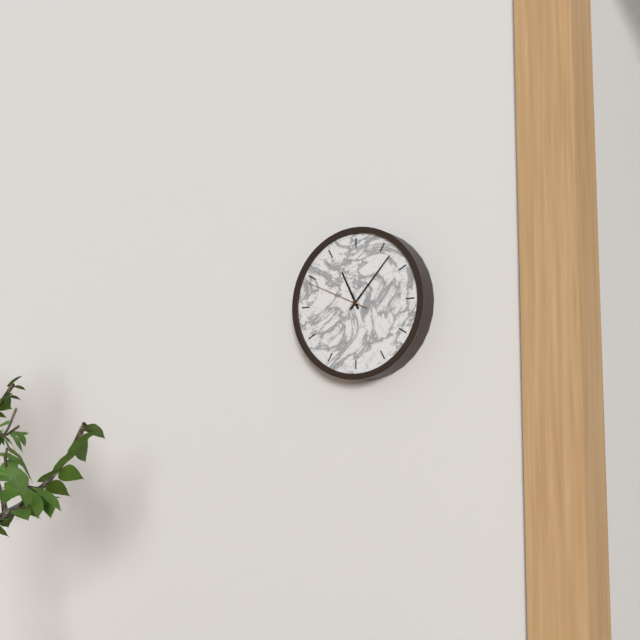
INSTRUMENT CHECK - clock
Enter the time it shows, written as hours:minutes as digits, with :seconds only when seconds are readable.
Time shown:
11:07:49
